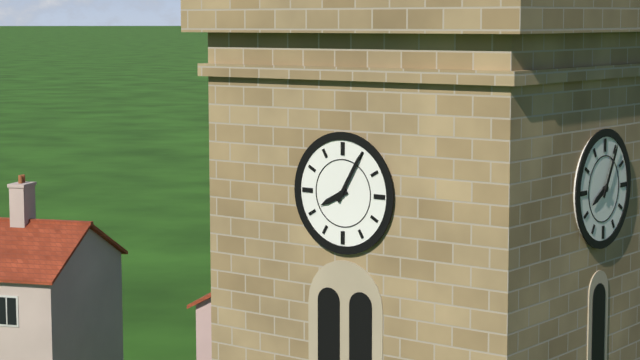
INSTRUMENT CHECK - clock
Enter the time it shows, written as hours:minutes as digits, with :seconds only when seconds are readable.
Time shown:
8:05
